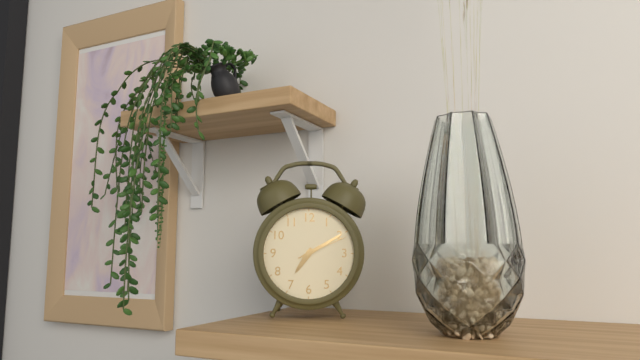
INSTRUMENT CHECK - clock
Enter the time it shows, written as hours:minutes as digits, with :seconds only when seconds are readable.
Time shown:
7:10:11
